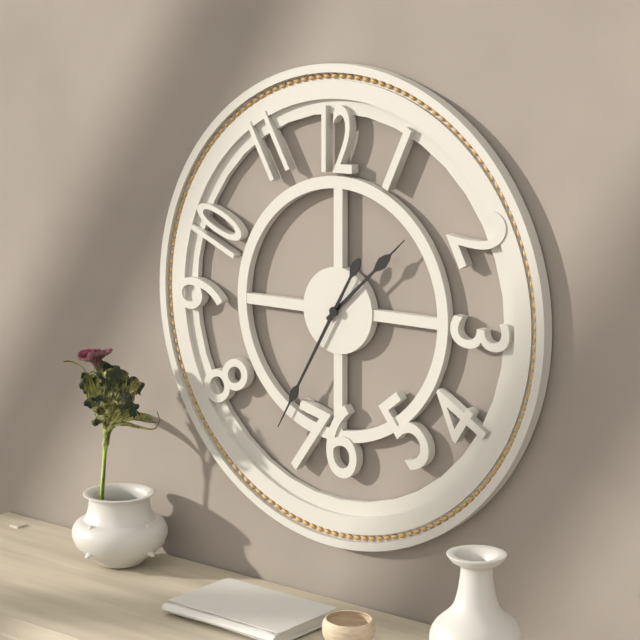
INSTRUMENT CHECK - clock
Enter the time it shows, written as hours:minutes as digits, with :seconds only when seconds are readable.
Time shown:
1:35
